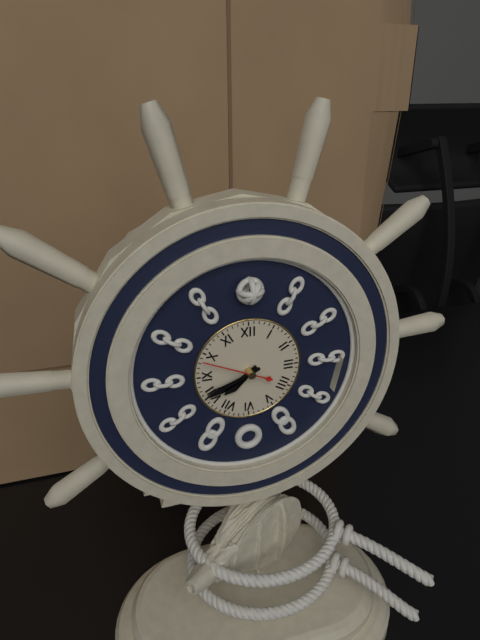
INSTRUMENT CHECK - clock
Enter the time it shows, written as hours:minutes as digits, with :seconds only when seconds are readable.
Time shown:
7:41:49
